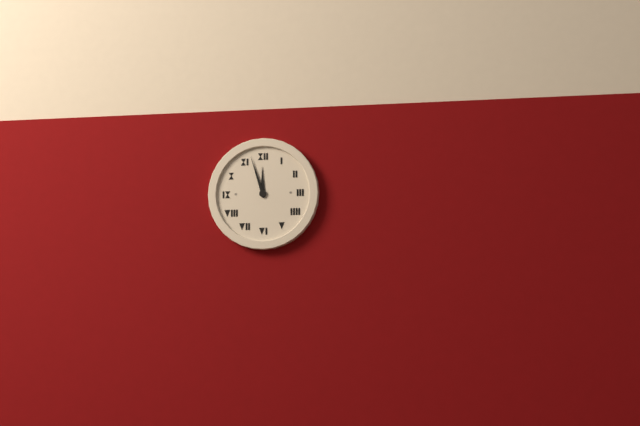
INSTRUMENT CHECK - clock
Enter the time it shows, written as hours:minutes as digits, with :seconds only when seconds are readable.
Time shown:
11:57
